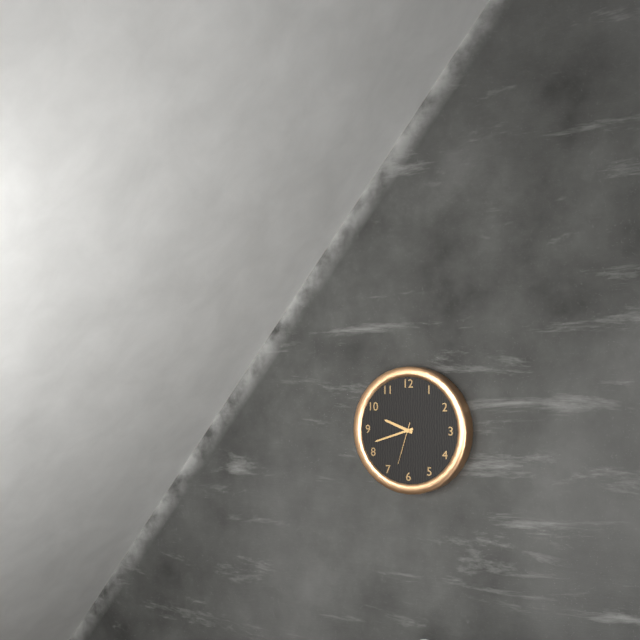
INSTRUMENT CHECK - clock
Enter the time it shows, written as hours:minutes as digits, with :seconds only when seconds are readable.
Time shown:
9:42
